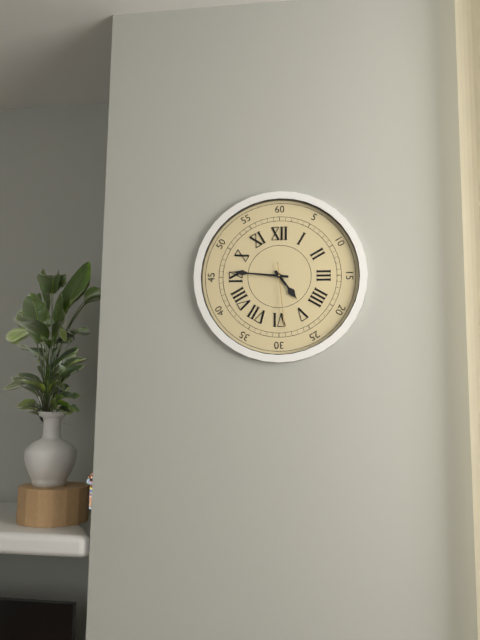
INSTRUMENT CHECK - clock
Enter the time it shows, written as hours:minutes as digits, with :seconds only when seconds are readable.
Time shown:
4:46:29
